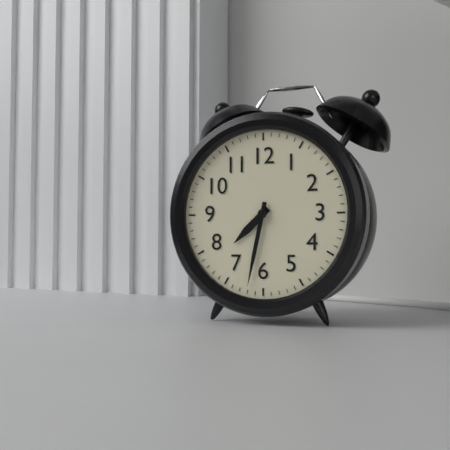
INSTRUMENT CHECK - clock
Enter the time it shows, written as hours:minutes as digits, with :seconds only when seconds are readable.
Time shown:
7:32
